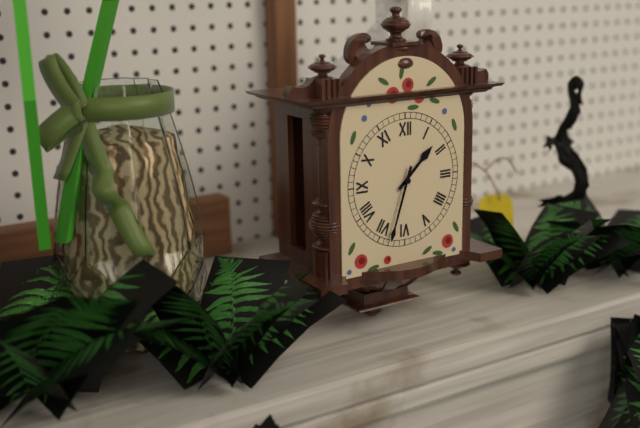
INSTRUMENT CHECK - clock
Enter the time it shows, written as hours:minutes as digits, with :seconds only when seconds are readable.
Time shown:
1:33
